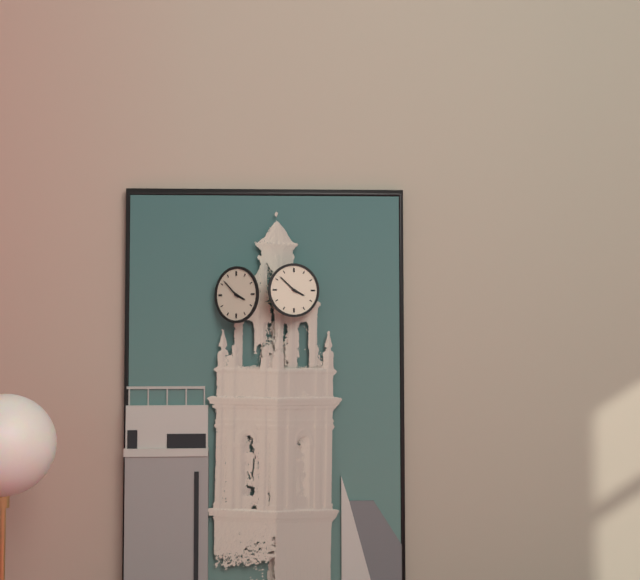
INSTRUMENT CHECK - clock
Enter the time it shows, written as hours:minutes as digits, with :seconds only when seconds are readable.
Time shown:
3:52
